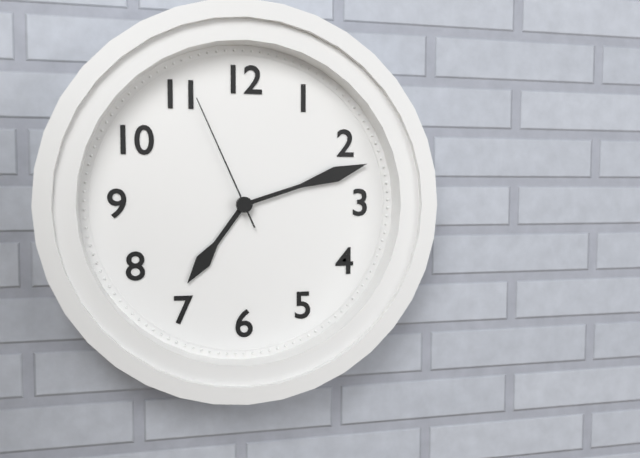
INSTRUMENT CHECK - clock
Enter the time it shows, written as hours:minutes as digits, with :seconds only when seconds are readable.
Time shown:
7:12:56
